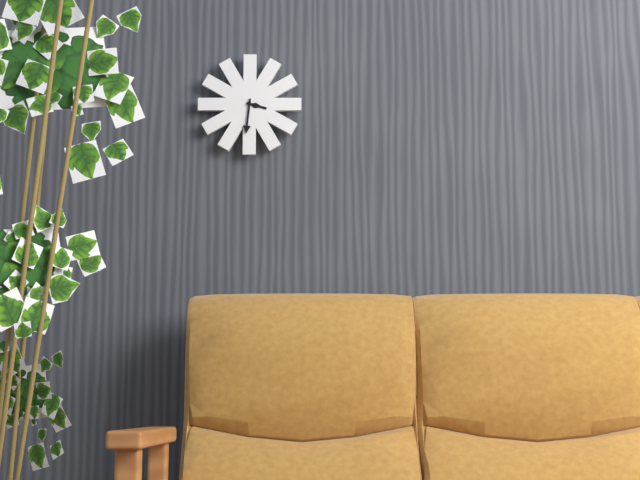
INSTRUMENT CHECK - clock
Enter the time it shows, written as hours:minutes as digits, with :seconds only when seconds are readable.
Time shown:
3:31
